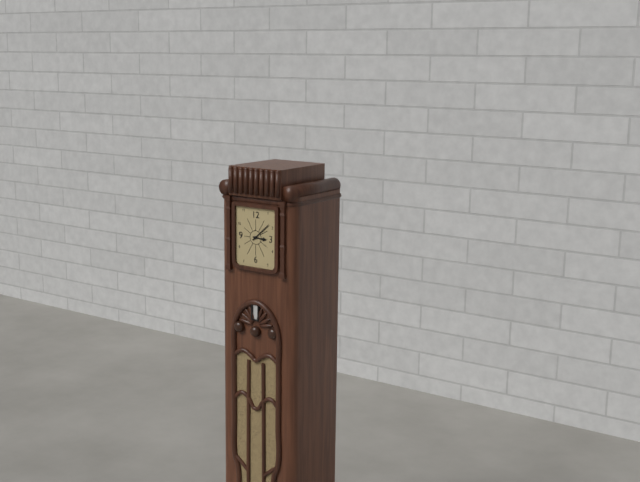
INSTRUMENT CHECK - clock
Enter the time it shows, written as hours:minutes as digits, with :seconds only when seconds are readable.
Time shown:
3:08
